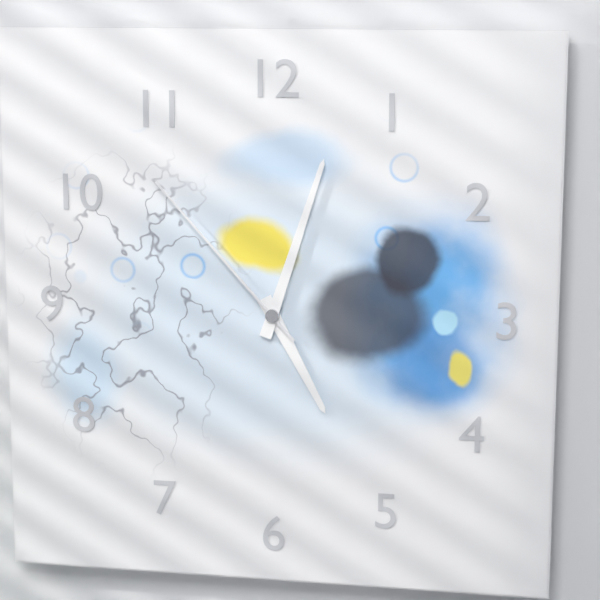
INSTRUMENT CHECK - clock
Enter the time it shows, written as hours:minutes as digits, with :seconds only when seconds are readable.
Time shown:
5:03:53
